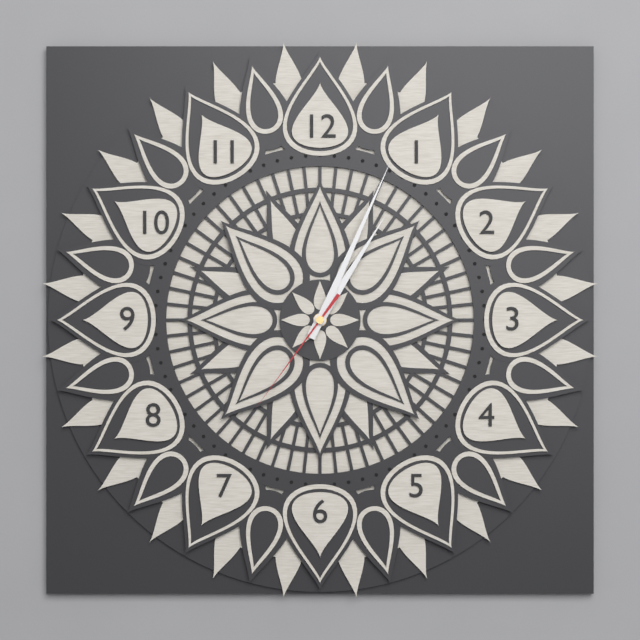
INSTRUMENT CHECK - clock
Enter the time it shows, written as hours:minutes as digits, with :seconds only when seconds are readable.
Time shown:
1:04:36
